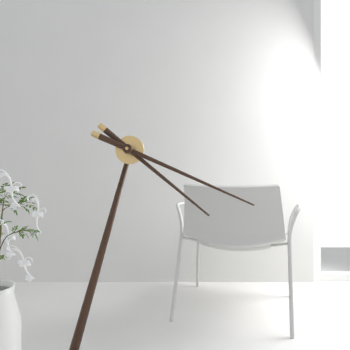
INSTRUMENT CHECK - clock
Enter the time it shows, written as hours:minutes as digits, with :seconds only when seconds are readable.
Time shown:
4:19
